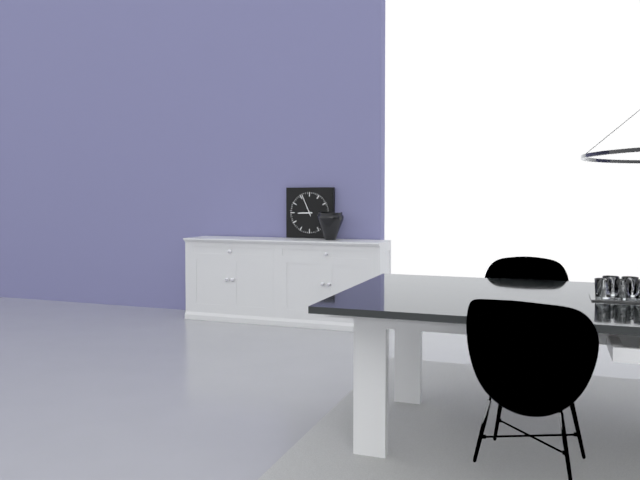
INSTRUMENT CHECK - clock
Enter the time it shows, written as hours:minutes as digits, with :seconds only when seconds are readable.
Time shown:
8:56
